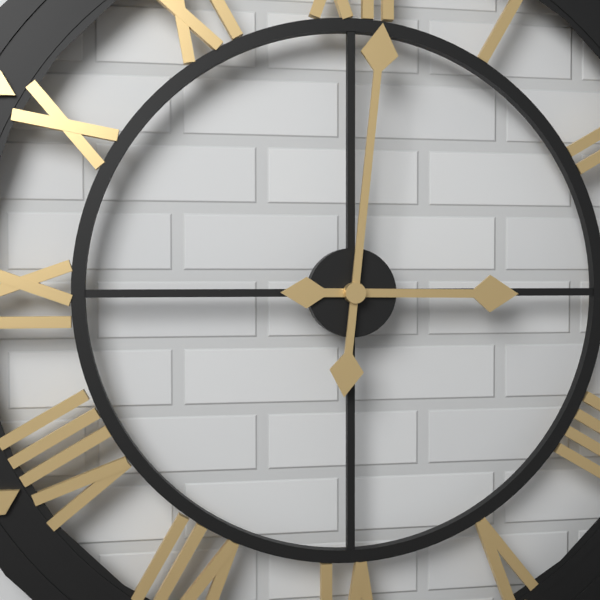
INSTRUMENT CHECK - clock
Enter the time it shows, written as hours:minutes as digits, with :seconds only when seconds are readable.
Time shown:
3:01
